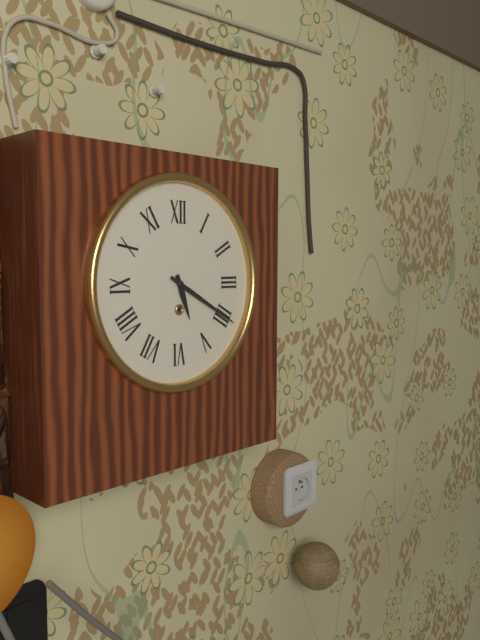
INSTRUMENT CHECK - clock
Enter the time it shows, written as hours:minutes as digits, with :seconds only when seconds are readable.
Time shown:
5:20
